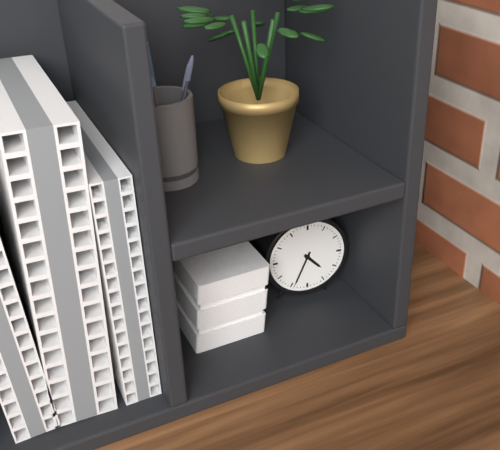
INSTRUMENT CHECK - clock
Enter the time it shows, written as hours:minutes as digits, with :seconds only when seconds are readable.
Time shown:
4:34
